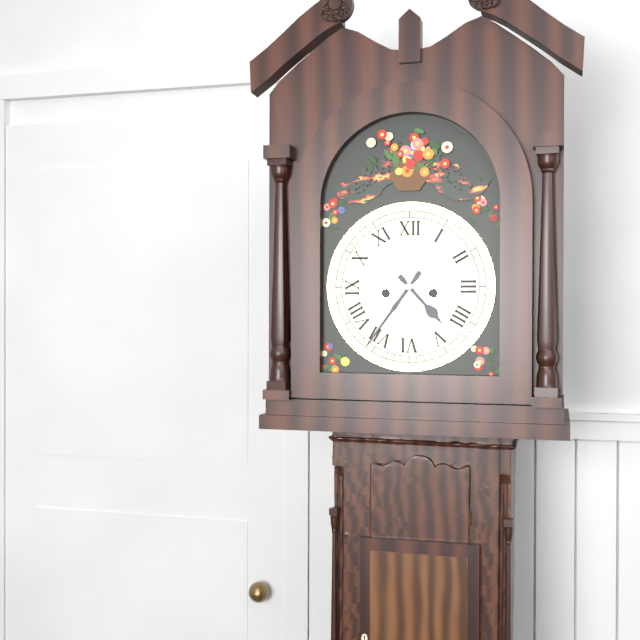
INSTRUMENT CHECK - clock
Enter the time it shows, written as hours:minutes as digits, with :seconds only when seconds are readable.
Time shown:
4:36
